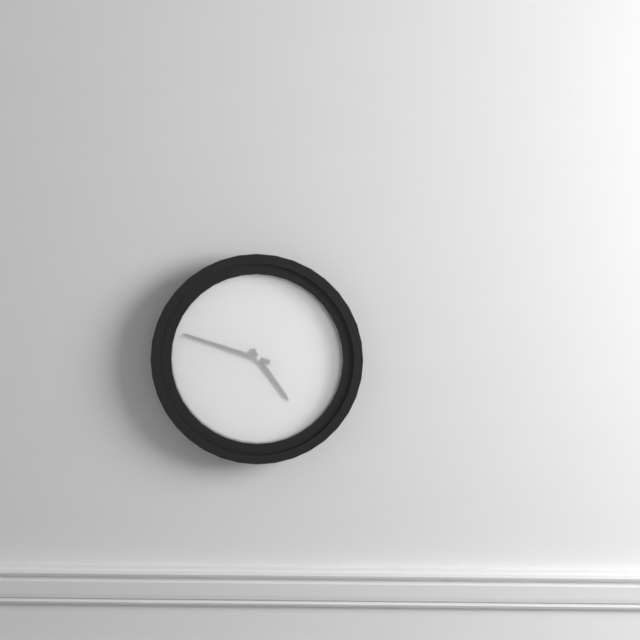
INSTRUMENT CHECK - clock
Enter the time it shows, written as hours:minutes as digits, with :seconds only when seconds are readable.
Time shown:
4:48
